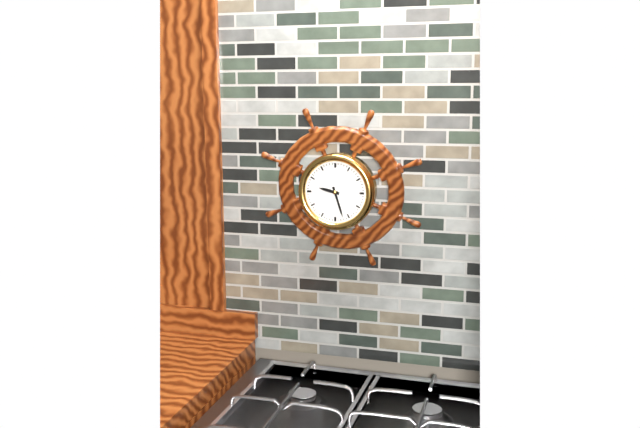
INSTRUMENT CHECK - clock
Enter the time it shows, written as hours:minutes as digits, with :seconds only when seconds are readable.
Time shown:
9:27
